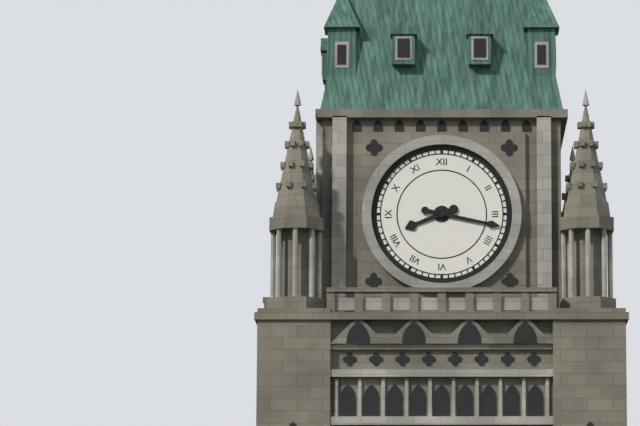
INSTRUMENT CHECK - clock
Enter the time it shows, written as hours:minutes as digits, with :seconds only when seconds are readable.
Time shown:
8:17
